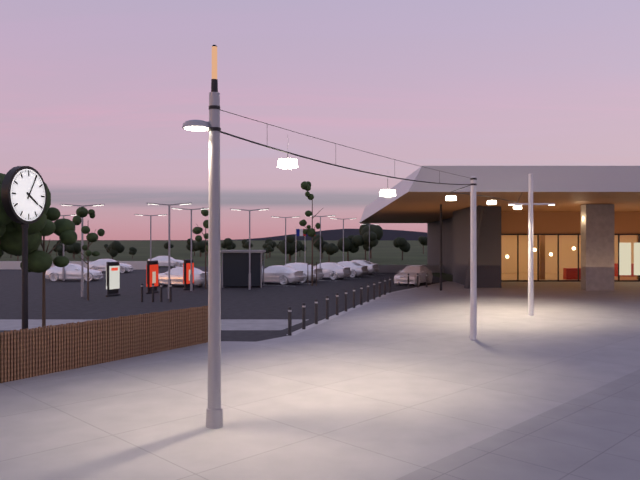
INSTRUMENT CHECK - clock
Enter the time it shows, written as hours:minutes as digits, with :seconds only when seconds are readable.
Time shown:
4:05
